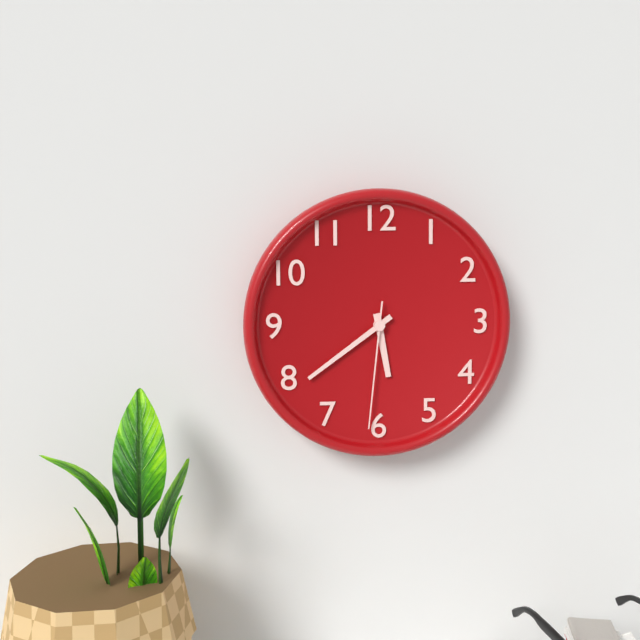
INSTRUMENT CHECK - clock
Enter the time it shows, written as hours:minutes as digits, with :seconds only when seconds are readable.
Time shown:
5:39:31
